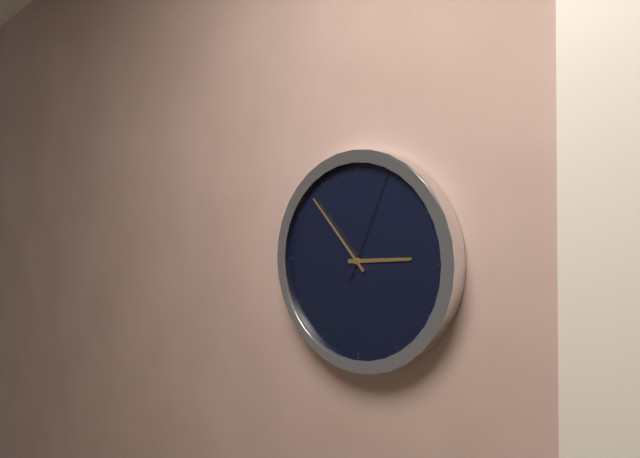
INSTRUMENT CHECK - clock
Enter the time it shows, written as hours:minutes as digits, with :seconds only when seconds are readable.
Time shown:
2:53:04
